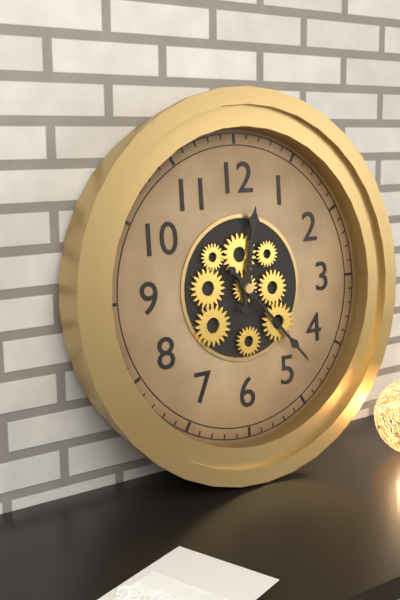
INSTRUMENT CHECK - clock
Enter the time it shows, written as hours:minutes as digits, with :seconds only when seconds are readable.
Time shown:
12:23
